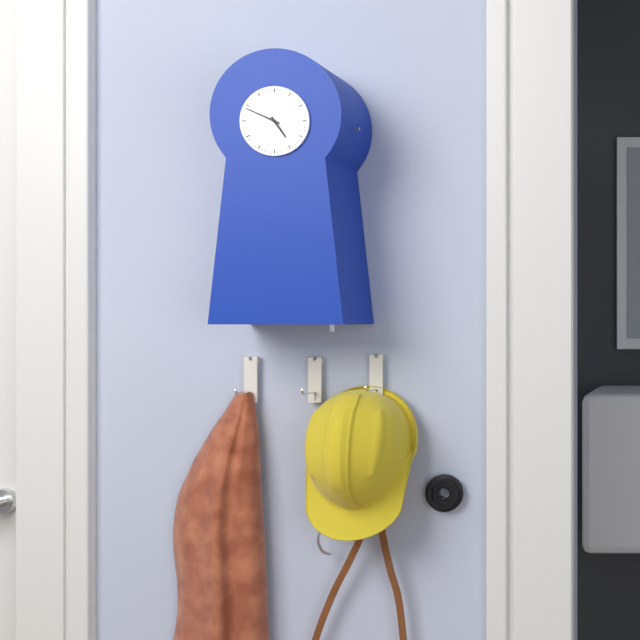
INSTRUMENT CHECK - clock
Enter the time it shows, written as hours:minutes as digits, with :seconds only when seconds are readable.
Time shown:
4:49
